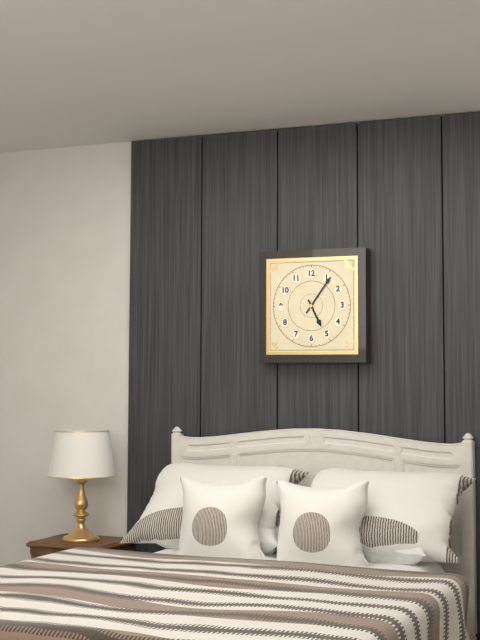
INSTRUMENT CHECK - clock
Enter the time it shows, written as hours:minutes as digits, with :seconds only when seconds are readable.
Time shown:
5:06
